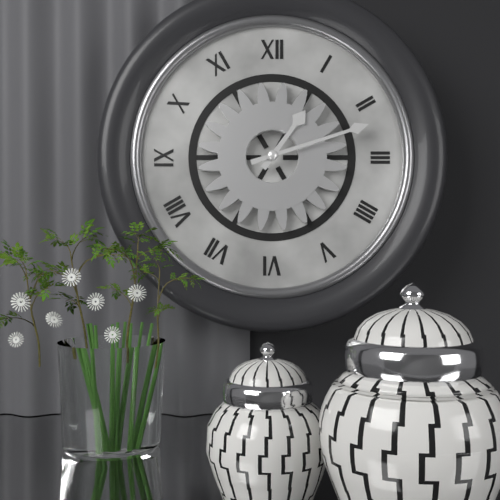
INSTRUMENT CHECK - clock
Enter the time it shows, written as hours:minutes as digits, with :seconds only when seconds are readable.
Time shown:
1:12
